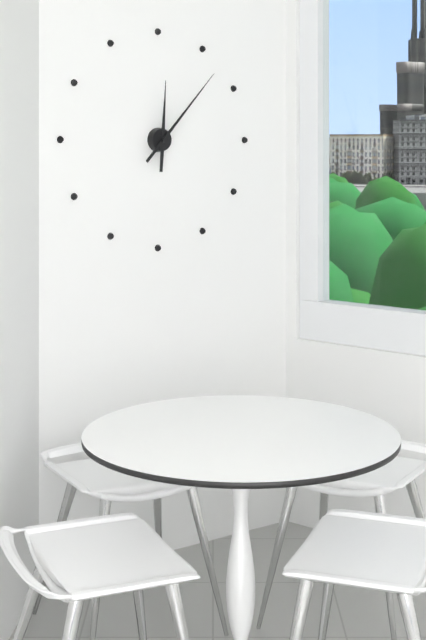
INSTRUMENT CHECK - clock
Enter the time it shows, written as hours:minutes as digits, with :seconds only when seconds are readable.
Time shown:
12:07
